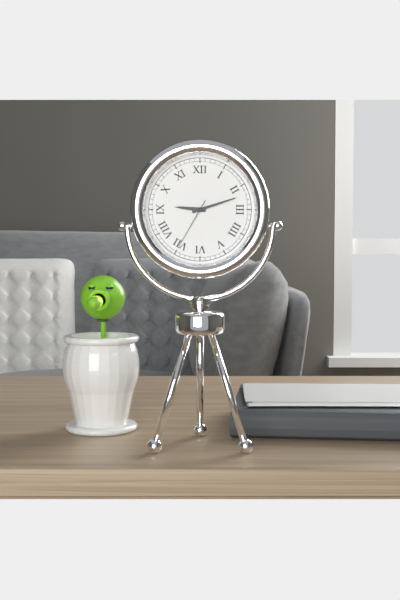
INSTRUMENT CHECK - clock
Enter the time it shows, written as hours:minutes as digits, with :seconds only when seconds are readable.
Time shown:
9:12:35
